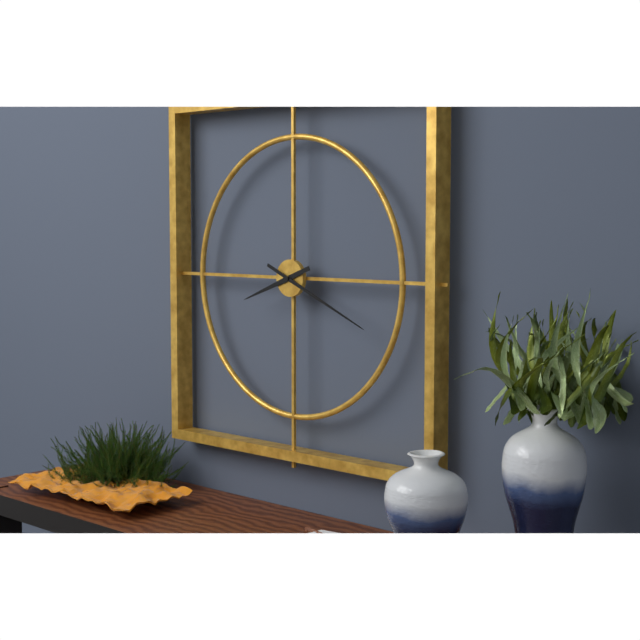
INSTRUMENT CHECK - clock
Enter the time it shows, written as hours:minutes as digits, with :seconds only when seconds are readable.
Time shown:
8:19
